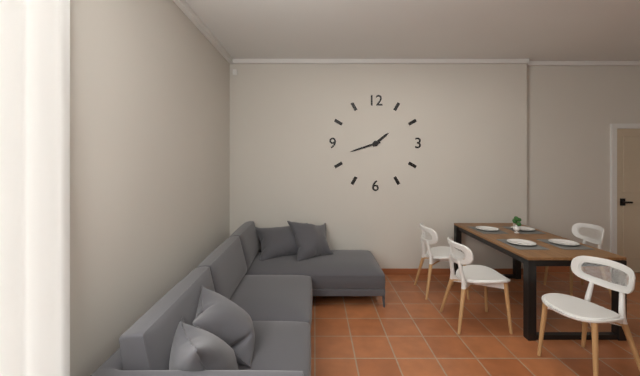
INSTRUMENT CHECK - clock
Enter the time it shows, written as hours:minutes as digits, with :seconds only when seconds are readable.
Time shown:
1:42
